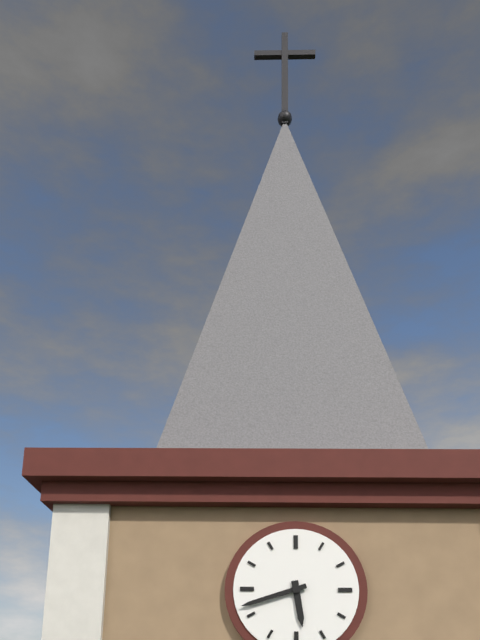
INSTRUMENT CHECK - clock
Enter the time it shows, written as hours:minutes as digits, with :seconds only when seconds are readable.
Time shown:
5:42
